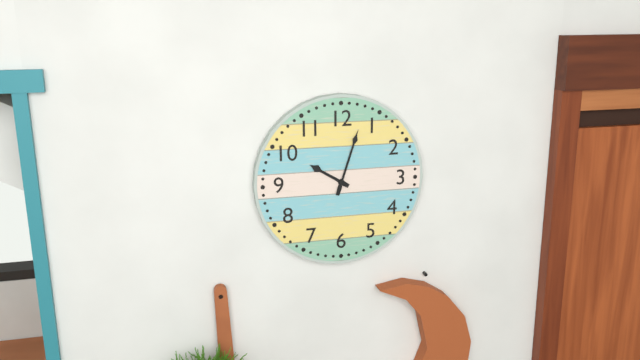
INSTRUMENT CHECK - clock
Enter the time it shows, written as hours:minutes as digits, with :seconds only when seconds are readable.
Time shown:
10:03
